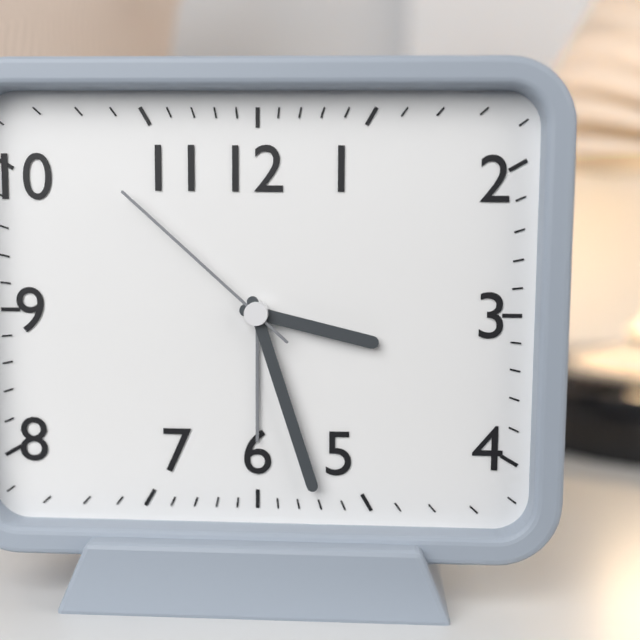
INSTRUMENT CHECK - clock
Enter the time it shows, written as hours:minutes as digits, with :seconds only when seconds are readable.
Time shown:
3:27:52
